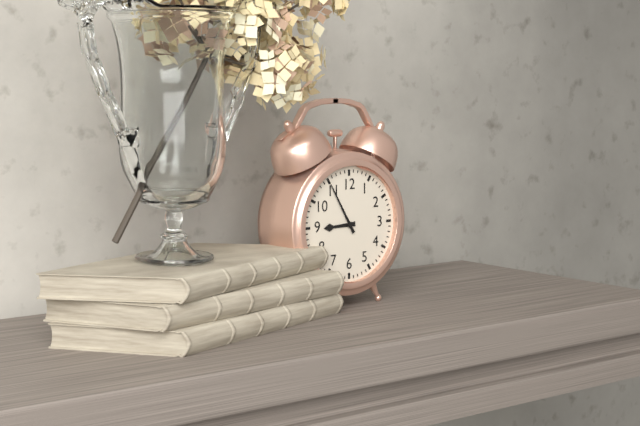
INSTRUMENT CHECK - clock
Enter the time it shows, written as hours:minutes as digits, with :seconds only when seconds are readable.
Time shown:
8:55
